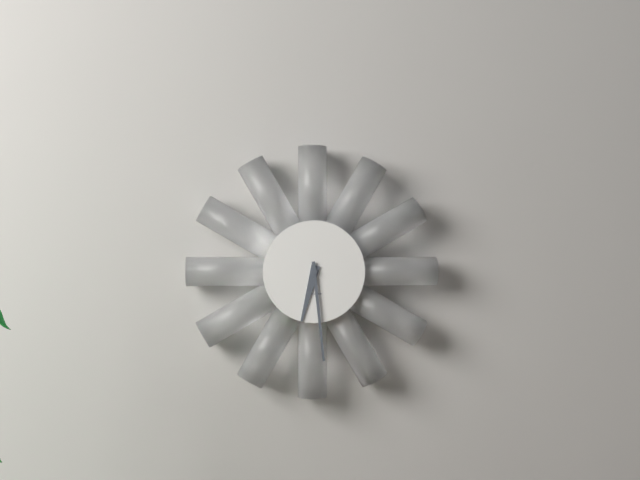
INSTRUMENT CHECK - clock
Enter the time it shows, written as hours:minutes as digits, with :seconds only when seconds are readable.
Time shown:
6:29
